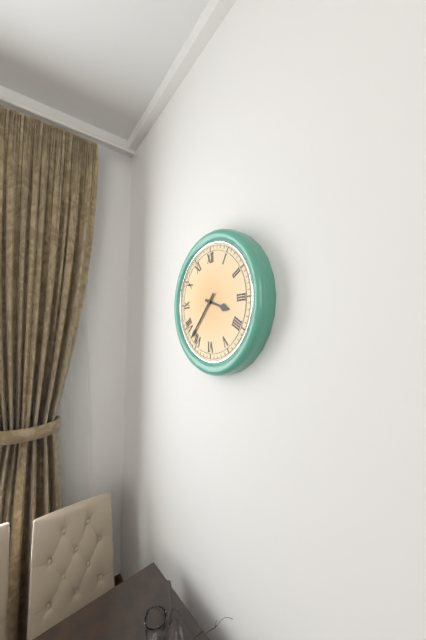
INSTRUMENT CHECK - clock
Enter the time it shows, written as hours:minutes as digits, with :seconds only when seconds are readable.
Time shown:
3:37
